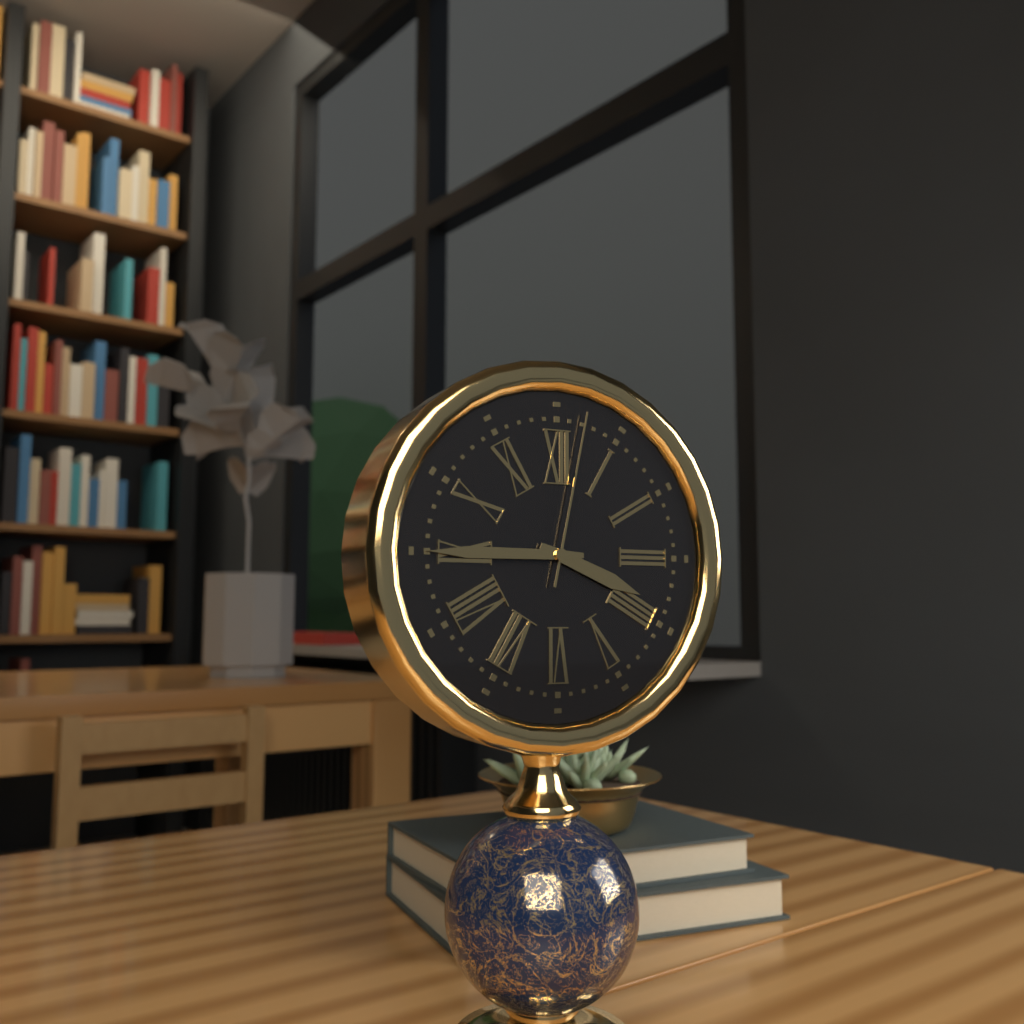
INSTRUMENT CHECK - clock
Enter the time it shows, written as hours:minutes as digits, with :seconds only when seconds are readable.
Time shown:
3:45:02
